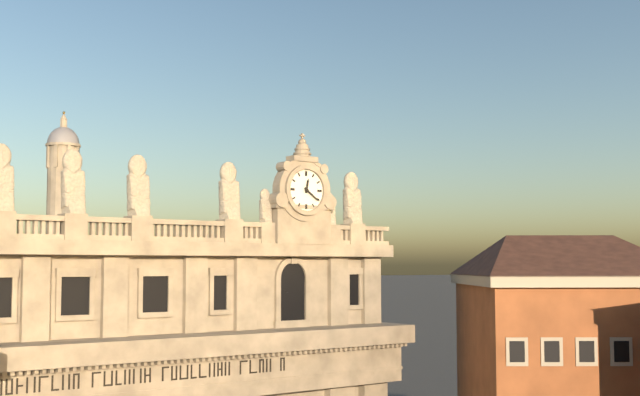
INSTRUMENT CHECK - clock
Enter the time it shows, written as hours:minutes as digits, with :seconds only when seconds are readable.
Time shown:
12:21
